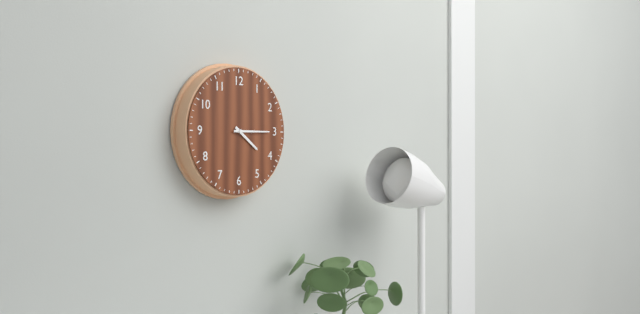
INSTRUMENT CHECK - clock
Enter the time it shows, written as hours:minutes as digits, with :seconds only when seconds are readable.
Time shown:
4:15
